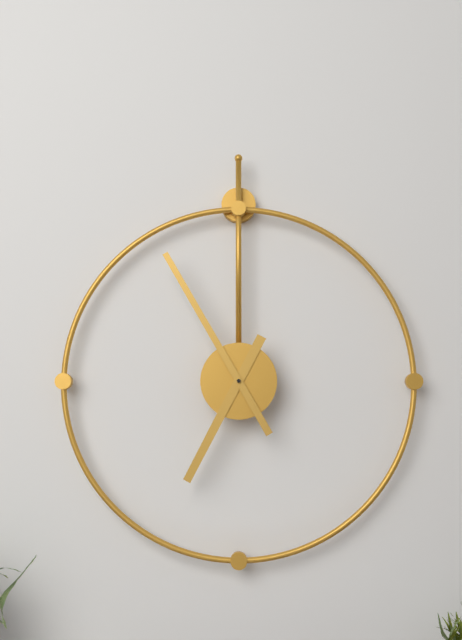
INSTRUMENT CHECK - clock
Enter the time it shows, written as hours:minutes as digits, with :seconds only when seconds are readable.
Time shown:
6:55
